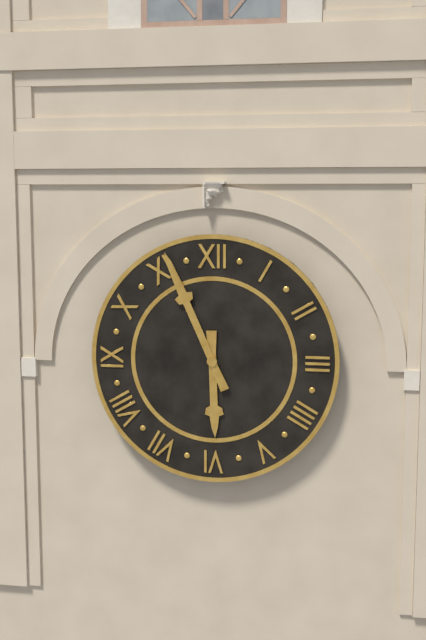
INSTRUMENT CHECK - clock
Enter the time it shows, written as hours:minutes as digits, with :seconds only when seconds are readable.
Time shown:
5:56
